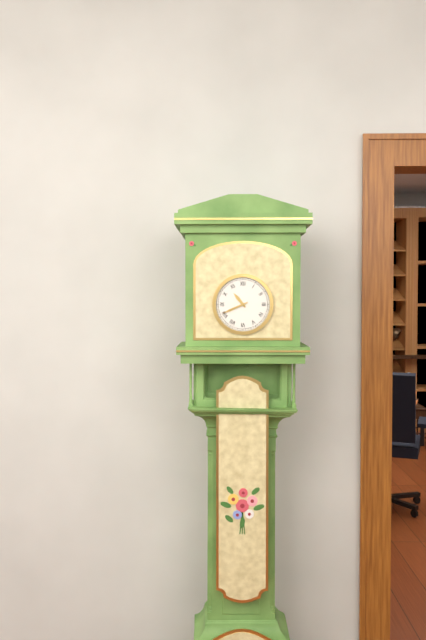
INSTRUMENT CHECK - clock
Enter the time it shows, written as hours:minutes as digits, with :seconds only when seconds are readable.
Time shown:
10:41
